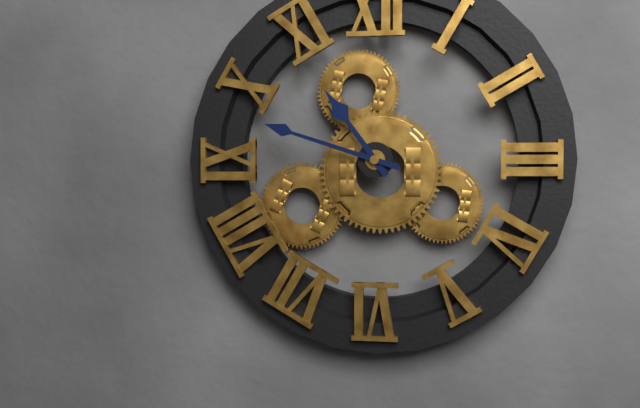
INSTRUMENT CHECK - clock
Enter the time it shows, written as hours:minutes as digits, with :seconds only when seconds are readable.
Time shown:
10:48
